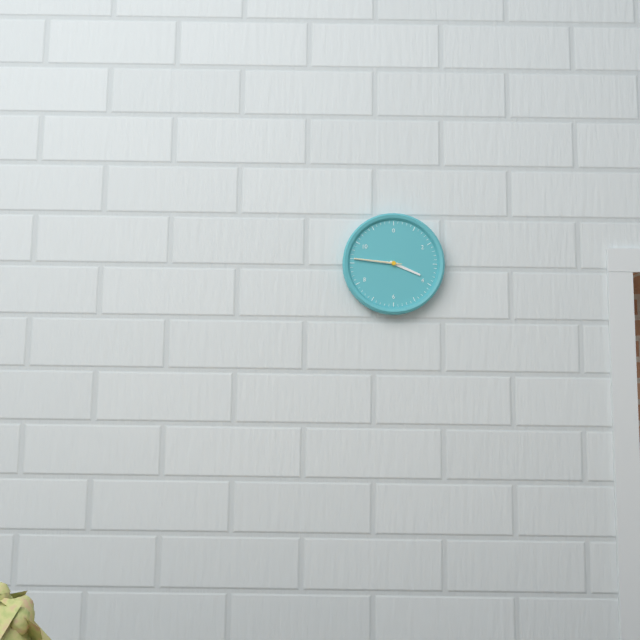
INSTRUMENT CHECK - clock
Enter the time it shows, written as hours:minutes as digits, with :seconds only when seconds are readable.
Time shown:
3:46
